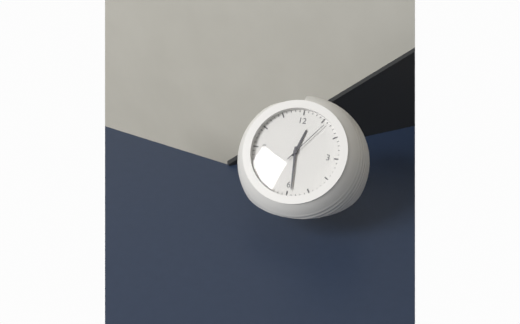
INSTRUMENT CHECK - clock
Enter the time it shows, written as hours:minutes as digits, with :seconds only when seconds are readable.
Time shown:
12:29:06
